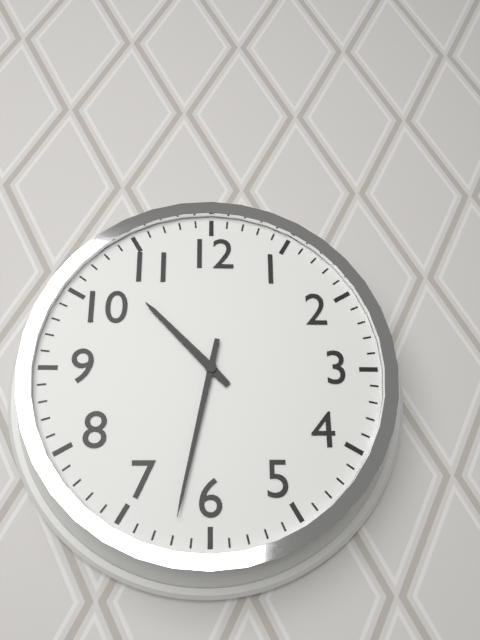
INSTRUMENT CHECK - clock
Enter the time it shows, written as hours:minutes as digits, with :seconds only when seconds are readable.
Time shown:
10:32
